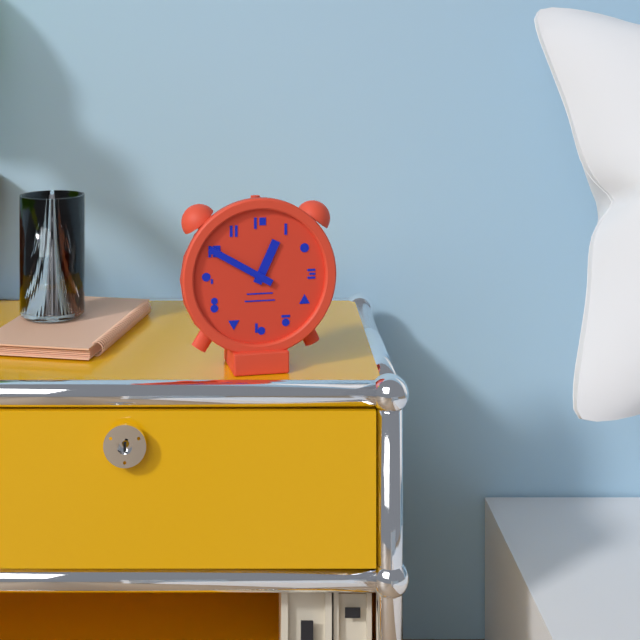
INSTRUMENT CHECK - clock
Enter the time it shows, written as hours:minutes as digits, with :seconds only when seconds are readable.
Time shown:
12:50
